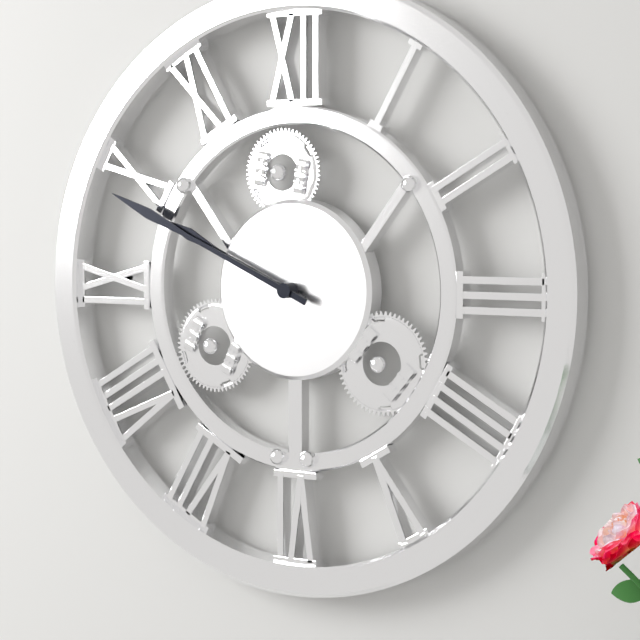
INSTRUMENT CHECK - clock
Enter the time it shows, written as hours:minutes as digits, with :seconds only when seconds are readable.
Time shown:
9:49
